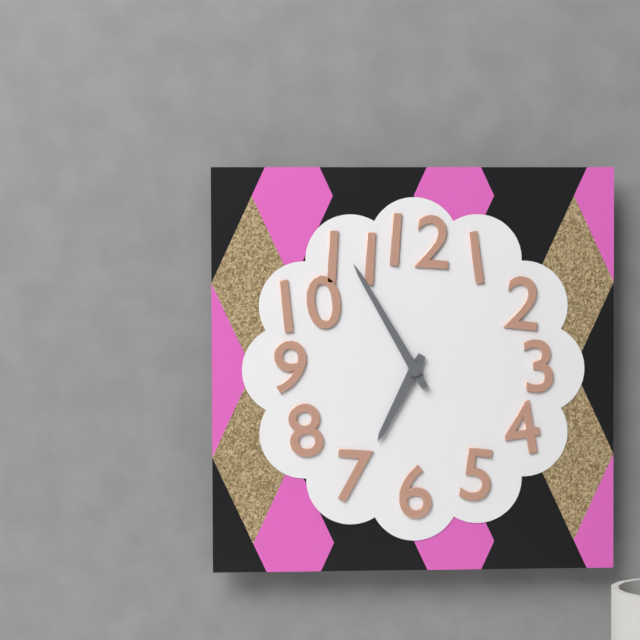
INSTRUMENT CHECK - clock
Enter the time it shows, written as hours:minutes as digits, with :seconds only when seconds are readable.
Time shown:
6:55
